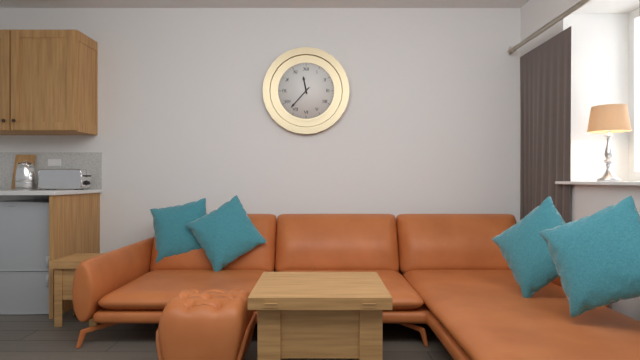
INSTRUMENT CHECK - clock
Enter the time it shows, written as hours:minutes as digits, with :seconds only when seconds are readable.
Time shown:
11:37
